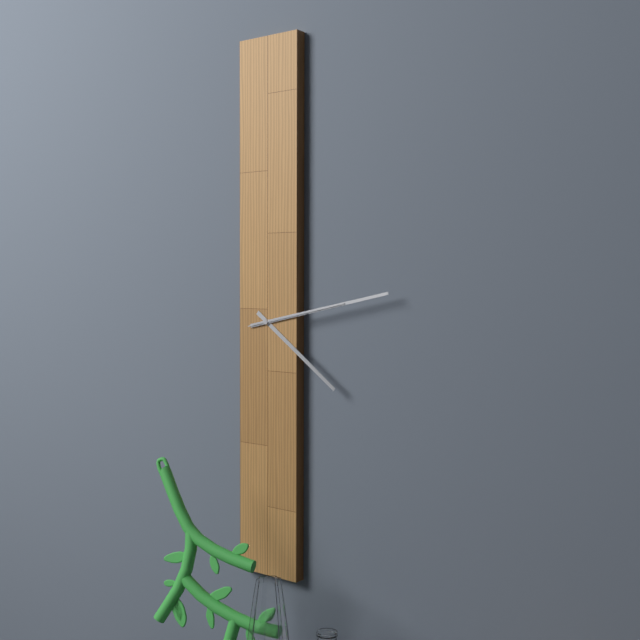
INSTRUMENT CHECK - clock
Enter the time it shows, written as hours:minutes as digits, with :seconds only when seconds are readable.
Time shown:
4:13:13
